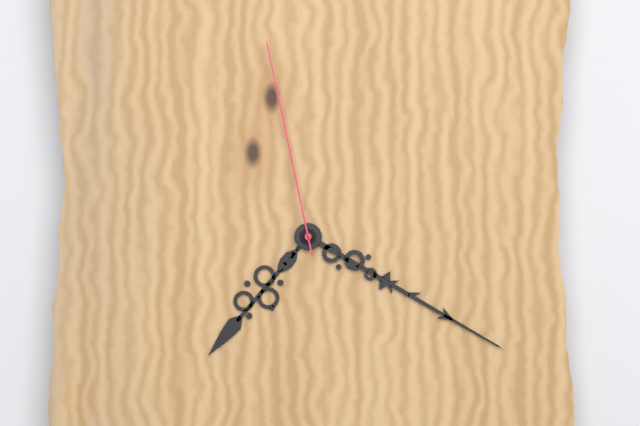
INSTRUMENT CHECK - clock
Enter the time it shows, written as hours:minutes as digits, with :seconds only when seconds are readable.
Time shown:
7:20:58
